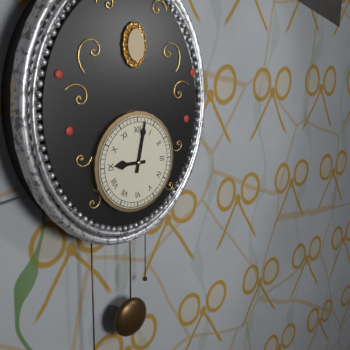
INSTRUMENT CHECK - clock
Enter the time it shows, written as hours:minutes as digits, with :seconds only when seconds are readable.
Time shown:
9:02
